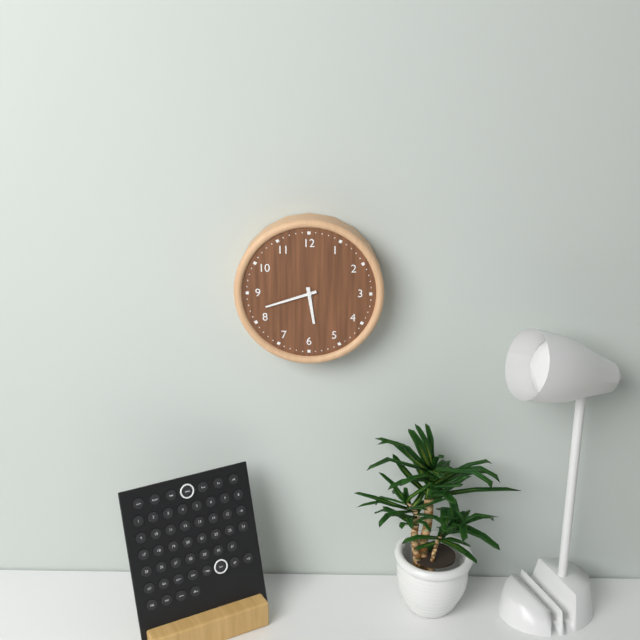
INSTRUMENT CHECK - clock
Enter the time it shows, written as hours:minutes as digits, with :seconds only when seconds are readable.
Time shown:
5:42
